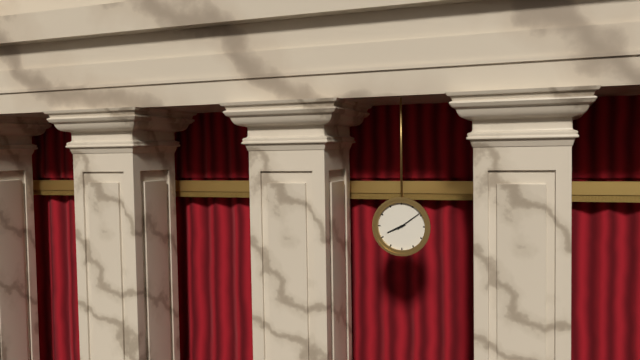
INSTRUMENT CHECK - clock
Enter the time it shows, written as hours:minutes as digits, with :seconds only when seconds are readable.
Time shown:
8:09
